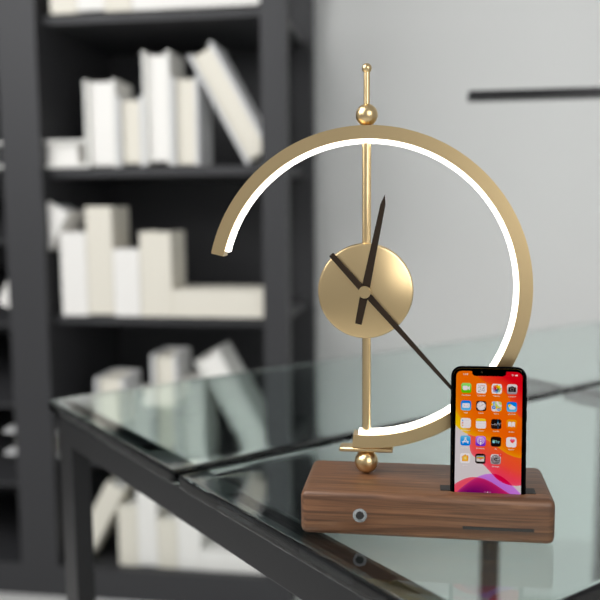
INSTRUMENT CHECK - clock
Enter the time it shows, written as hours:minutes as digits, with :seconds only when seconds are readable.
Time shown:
12:23
